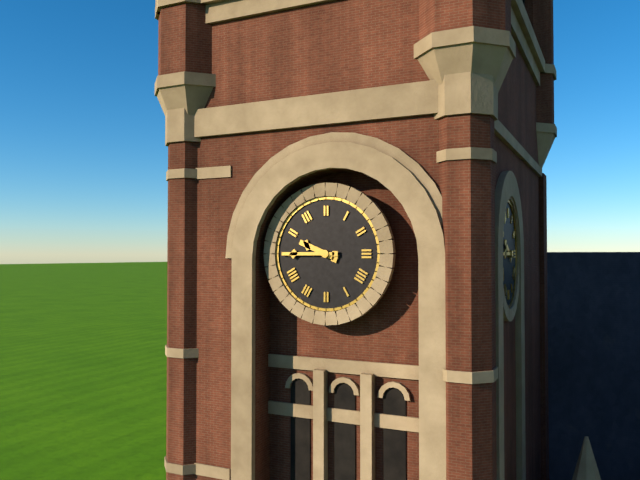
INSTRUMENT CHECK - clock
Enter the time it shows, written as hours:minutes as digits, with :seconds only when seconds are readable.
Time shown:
9:45
